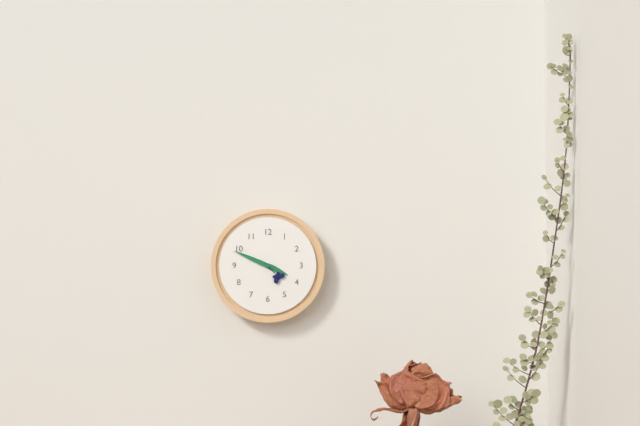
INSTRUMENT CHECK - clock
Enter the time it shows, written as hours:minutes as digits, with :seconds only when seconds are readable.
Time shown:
3:49
